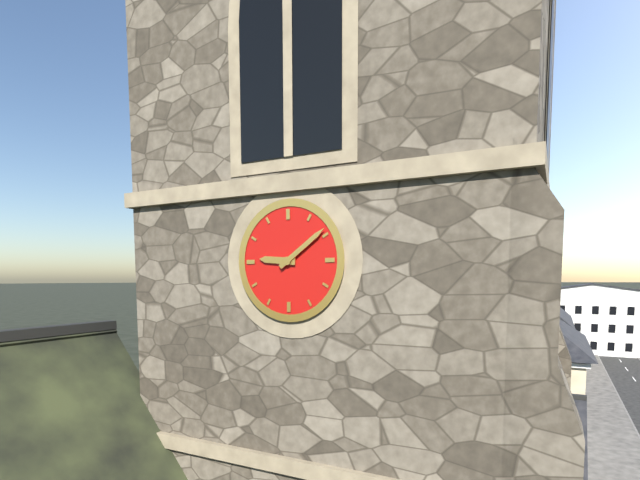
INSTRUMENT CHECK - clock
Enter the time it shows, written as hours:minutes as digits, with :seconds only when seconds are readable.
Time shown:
9:09
